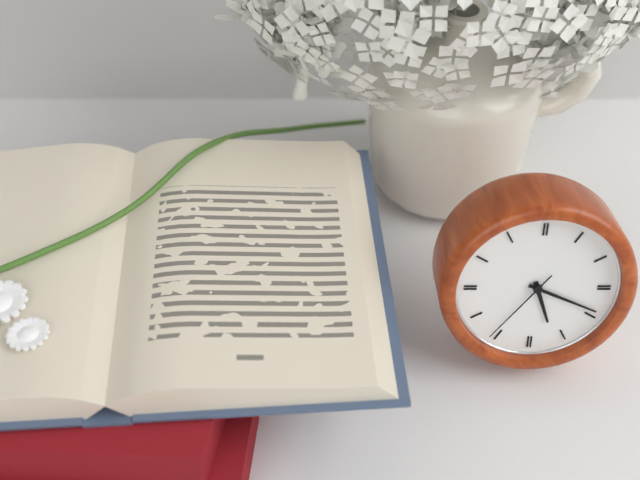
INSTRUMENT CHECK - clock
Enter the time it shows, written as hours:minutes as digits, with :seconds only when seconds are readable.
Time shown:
5:19:36
